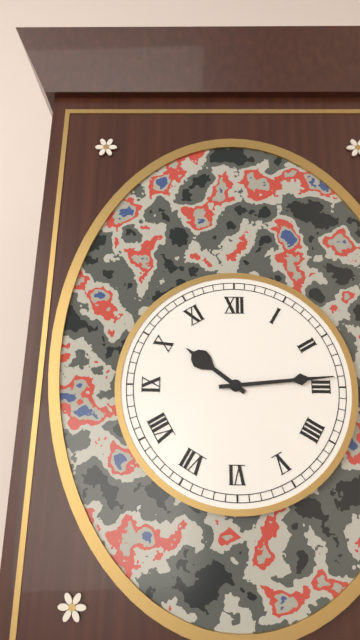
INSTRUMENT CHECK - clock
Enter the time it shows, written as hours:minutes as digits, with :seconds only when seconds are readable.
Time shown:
10:14
